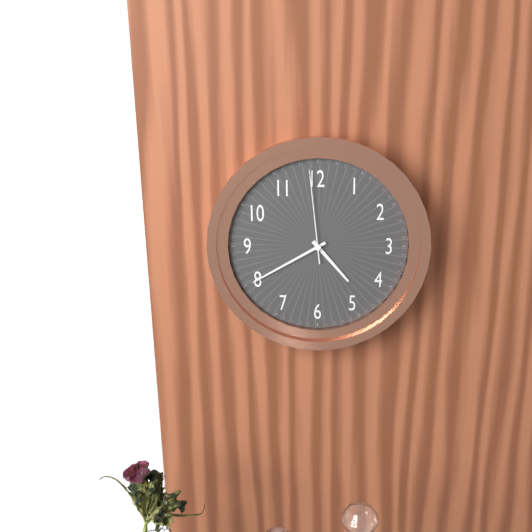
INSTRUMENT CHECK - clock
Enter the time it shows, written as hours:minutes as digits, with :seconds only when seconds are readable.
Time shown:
4:40:59
